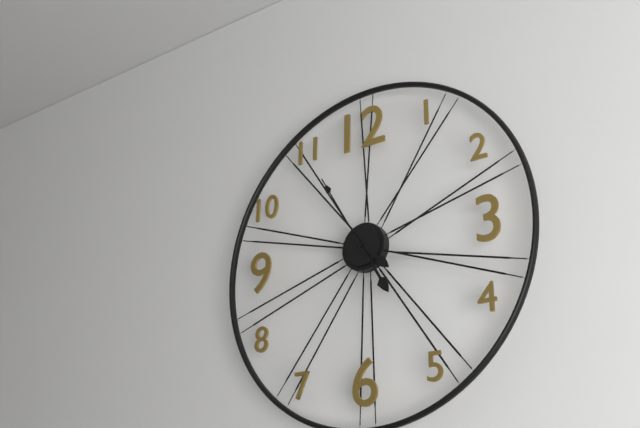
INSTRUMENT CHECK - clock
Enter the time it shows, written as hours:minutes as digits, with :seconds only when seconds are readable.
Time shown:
4:25:55
